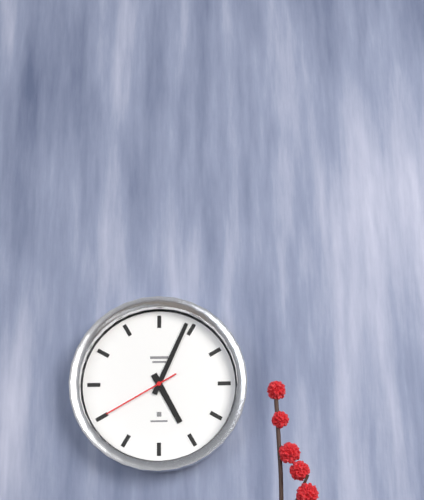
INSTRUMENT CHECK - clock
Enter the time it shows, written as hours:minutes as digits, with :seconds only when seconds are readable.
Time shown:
5:04:40
